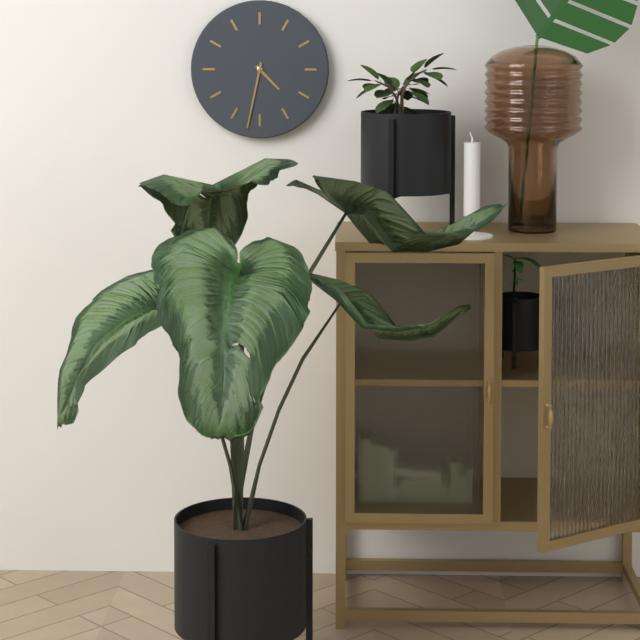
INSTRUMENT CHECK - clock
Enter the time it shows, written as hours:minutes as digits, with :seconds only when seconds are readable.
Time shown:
4:32
